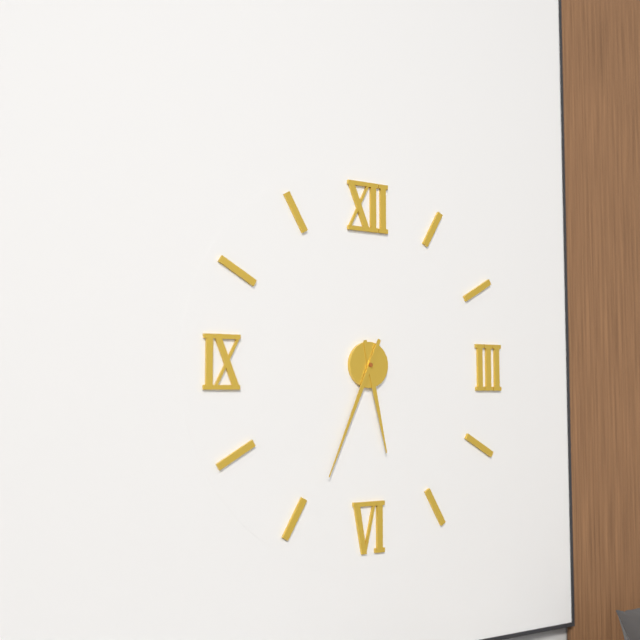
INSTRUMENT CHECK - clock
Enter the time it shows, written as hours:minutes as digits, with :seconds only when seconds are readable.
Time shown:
5:34
